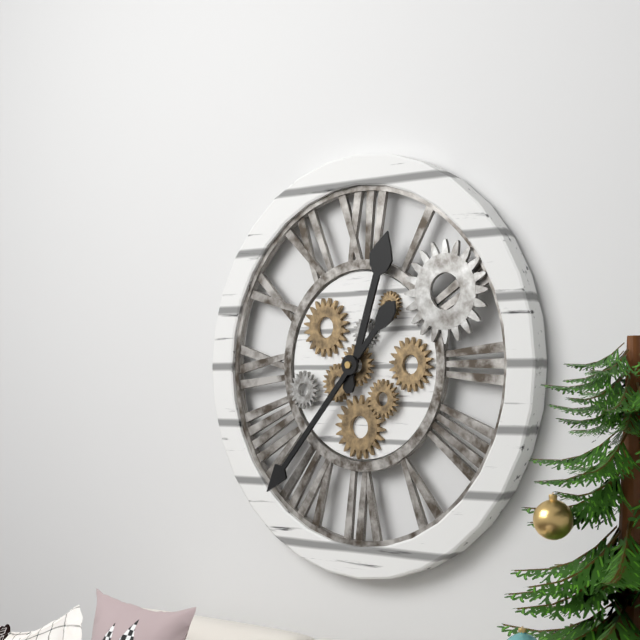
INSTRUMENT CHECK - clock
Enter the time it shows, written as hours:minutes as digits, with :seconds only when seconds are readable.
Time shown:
12:37
